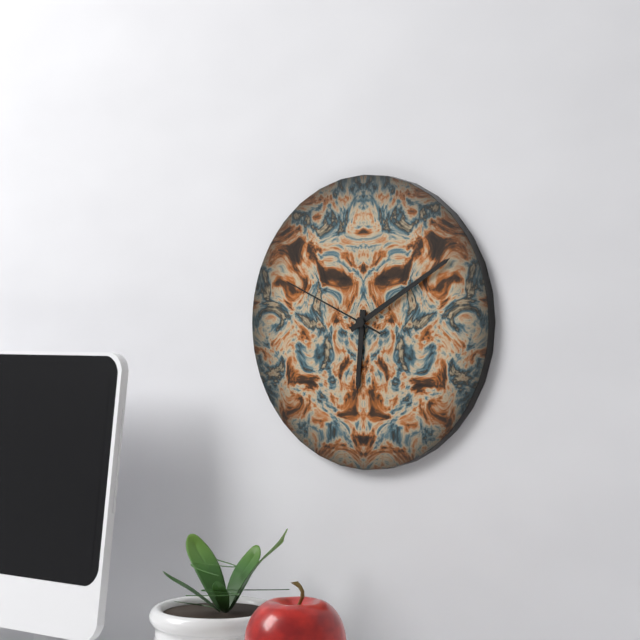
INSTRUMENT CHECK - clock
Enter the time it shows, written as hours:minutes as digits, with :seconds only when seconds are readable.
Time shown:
6:10:49
